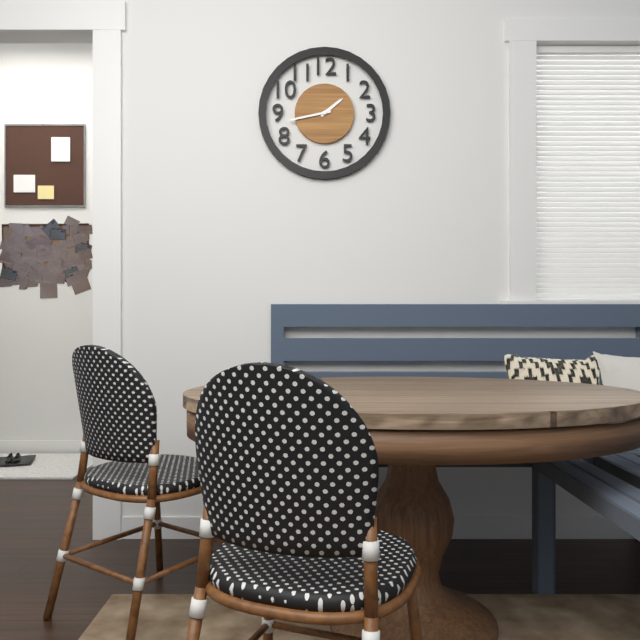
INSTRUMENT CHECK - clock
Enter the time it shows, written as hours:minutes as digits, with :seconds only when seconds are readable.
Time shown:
1:43
